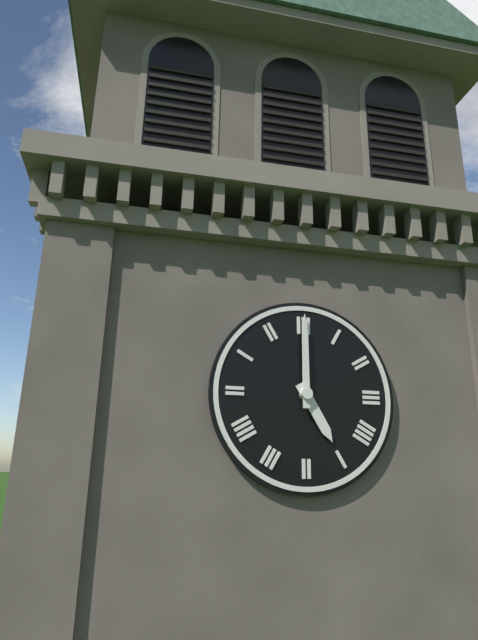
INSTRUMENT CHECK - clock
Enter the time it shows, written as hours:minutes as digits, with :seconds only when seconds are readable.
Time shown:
5:00
